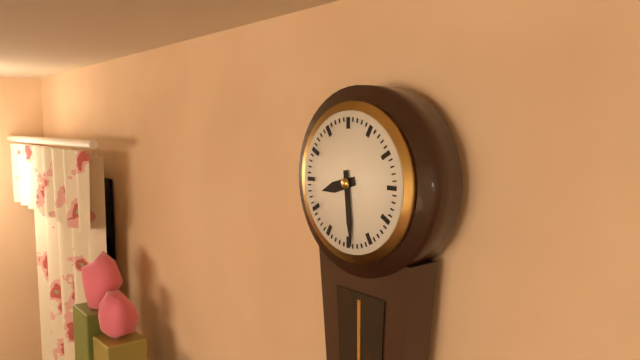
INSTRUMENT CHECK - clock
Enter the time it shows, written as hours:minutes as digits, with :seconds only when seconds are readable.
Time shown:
8:29
